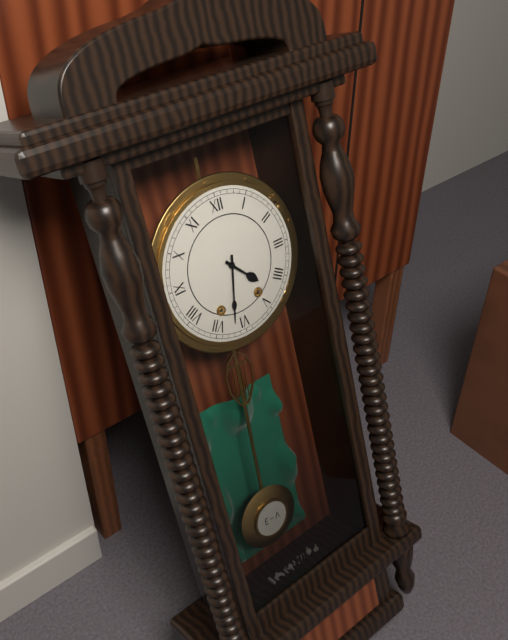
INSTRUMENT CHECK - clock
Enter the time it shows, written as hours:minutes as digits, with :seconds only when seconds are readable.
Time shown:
4:32
